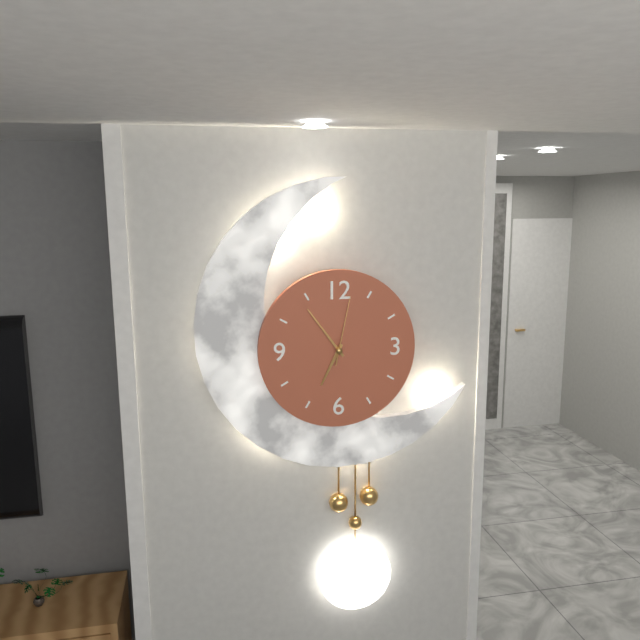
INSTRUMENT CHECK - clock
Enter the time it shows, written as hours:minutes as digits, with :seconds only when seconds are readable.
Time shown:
6:54:02
